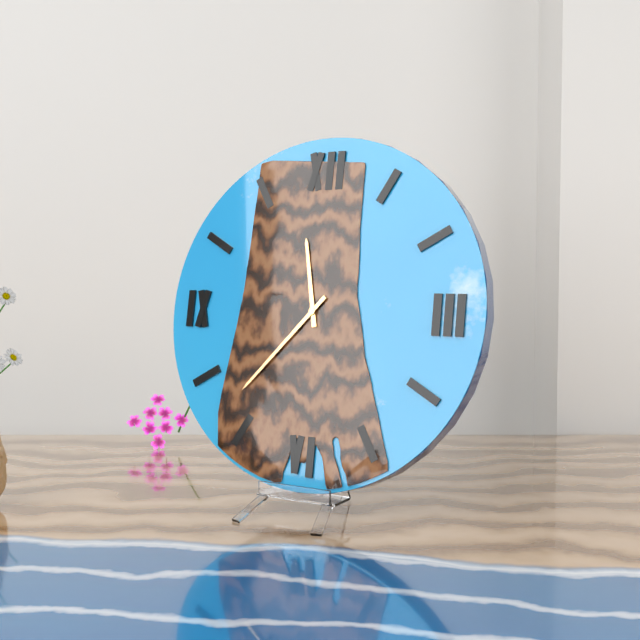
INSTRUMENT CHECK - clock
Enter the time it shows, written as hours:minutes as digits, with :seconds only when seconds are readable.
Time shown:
11:37
